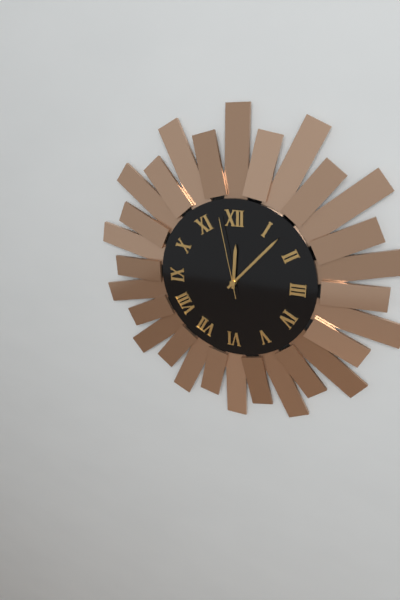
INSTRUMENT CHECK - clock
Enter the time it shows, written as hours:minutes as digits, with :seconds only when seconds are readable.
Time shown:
12:07:58
